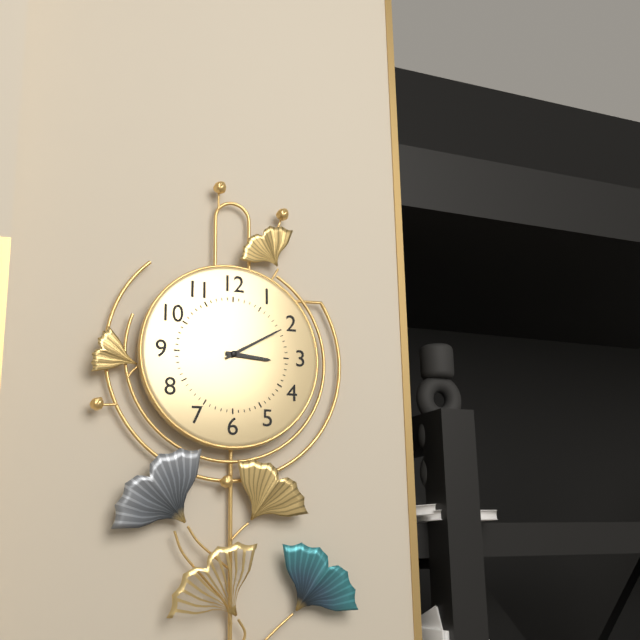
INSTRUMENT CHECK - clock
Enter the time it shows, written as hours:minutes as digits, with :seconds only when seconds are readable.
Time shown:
3:10
